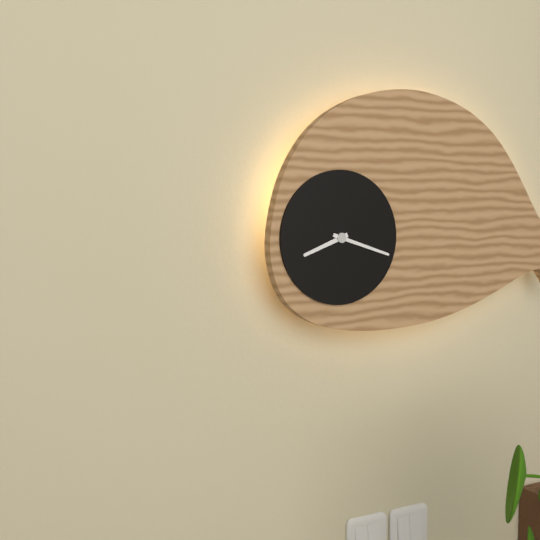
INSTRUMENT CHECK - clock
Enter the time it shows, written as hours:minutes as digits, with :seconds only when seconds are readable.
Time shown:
8:18
